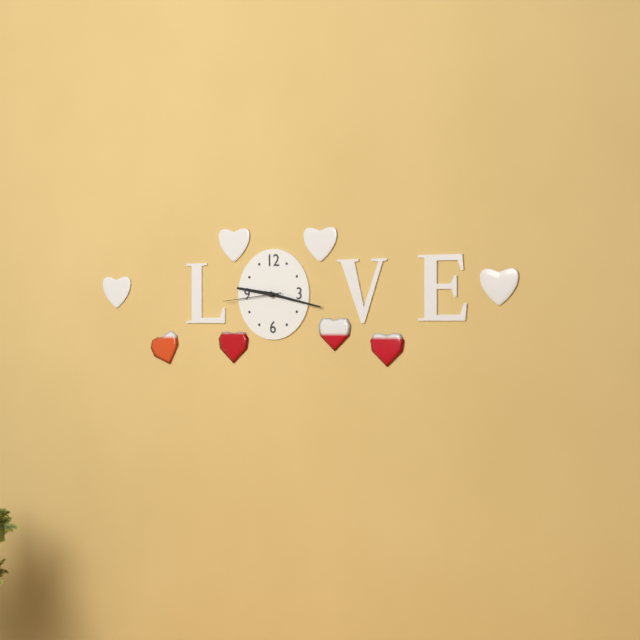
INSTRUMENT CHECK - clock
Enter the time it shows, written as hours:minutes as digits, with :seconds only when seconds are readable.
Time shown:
9:17:44
